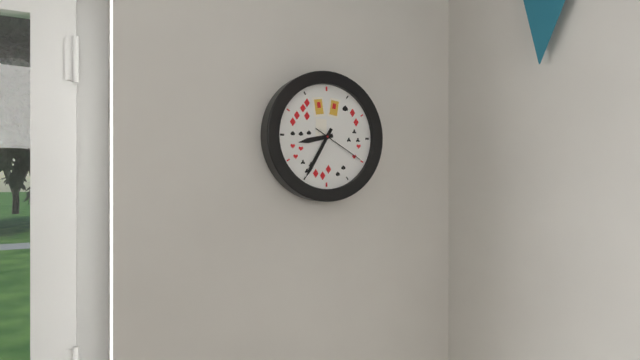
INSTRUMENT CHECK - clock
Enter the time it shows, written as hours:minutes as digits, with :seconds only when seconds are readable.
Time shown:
8:35:20
